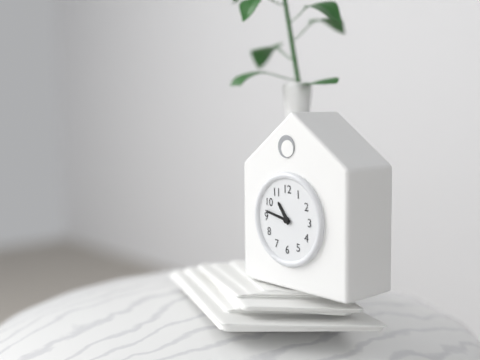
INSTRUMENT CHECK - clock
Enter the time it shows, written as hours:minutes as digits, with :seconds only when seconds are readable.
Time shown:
10:47
